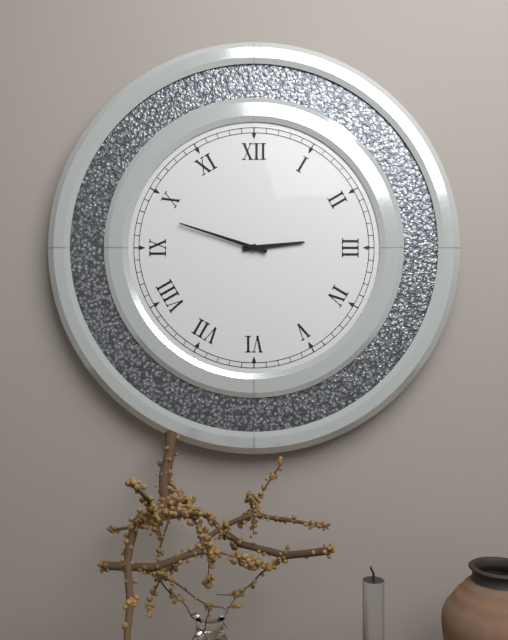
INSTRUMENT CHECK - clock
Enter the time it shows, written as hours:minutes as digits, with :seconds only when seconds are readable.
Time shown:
2:48
